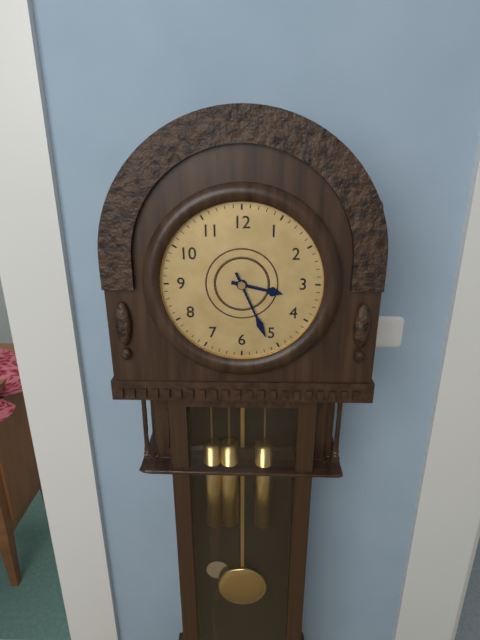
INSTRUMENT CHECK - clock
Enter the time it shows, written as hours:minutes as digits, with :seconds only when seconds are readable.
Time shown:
3:26
